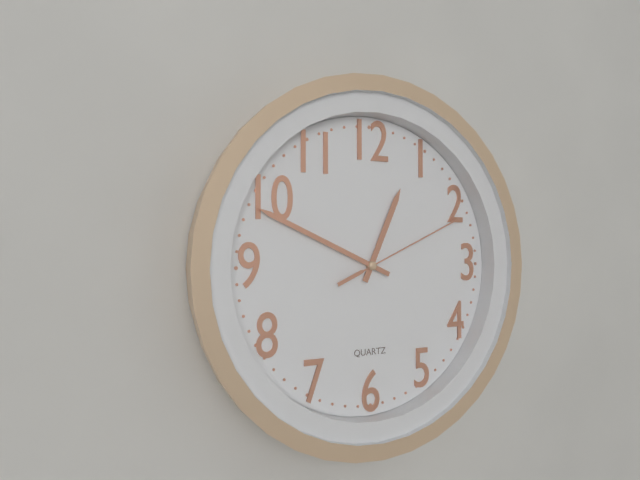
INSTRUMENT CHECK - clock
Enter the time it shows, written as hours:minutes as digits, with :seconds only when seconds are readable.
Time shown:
12:49:11
